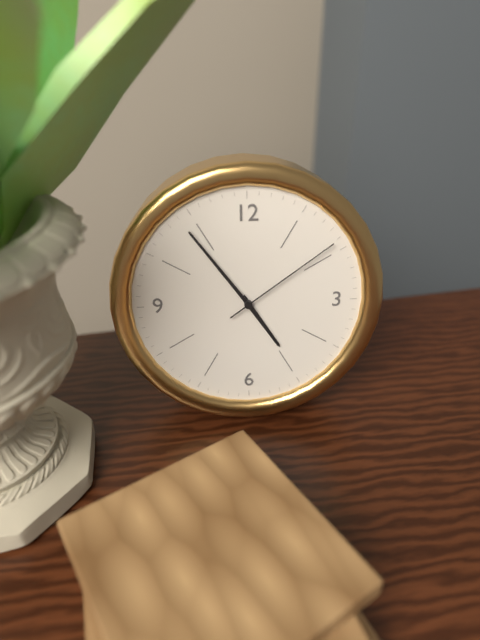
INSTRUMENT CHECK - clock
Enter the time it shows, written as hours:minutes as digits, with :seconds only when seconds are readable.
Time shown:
4:54:09
